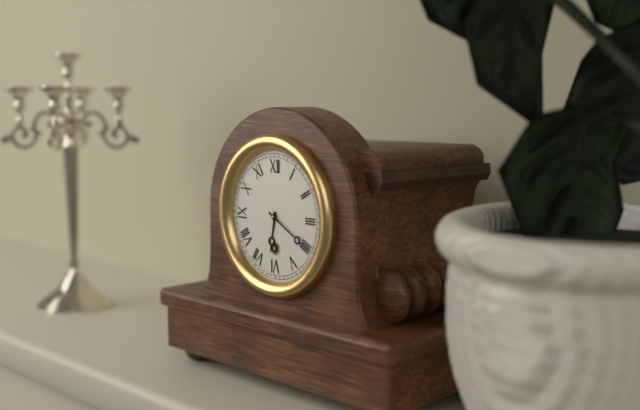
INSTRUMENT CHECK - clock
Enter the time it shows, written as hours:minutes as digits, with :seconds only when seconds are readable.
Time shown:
6:20
